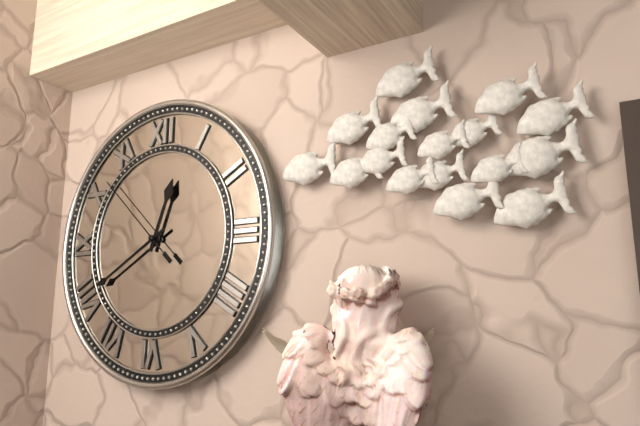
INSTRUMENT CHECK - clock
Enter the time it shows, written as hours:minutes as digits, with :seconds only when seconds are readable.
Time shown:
12:40:52
